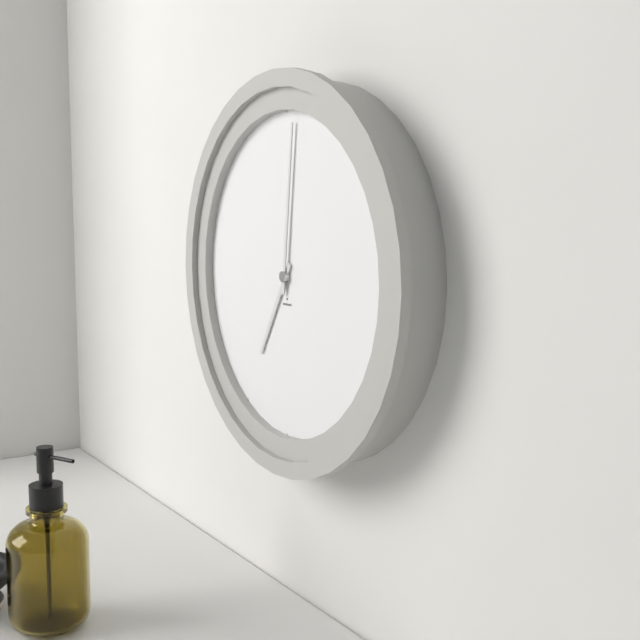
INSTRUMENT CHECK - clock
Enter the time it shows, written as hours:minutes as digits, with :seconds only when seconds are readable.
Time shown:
7:01
